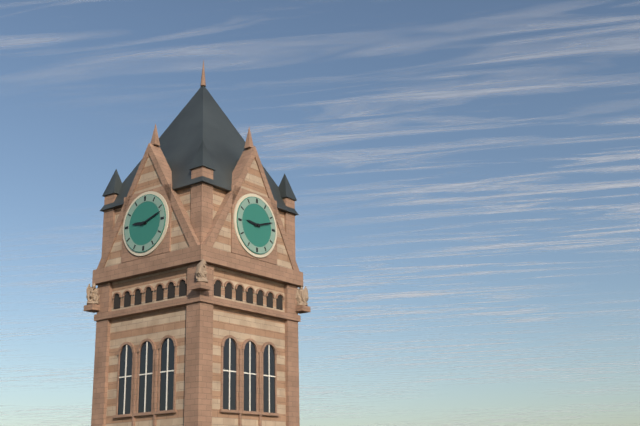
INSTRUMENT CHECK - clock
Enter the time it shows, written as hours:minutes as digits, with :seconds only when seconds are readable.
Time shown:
9:12
